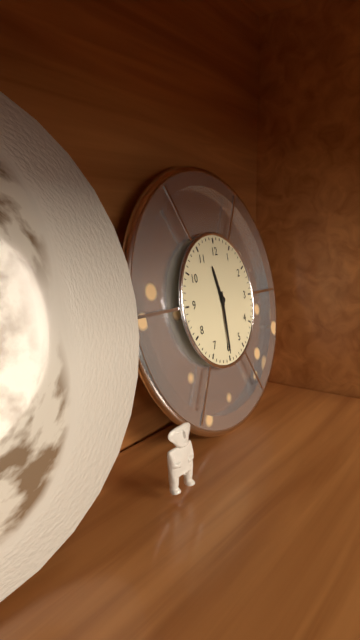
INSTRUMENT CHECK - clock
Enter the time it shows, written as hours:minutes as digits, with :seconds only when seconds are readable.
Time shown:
11:30
